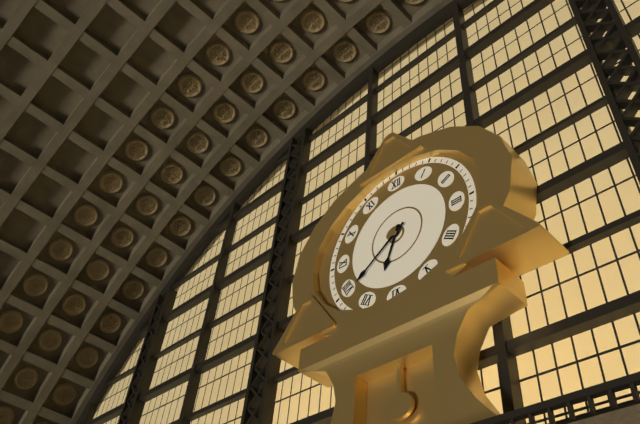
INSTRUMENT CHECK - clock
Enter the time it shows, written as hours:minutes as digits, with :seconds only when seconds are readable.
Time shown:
6:39
